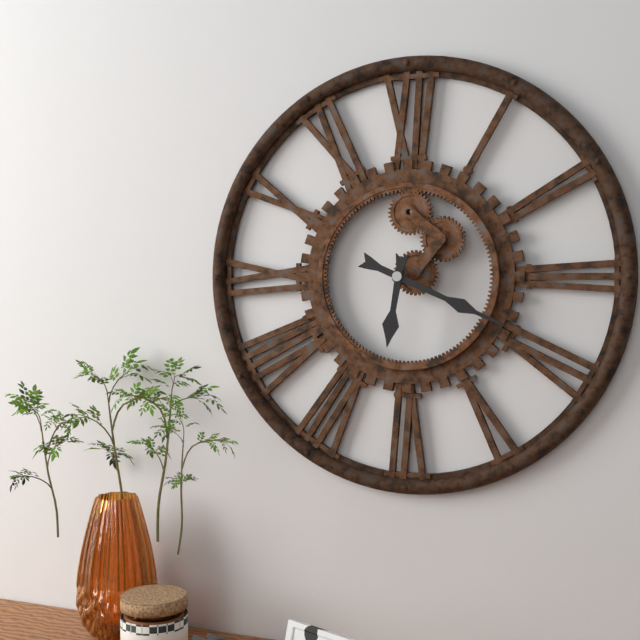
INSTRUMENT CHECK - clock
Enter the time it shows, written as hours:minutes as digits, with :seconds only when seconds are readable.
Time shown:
6:19
